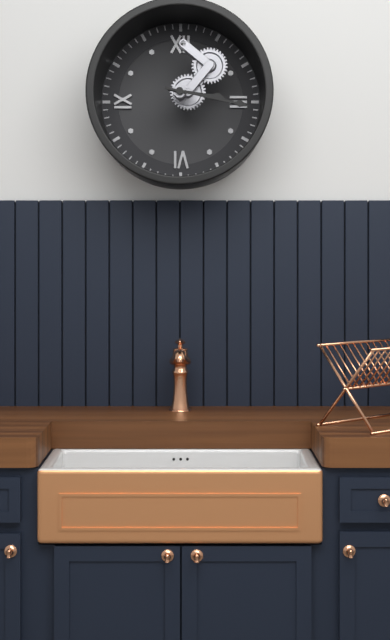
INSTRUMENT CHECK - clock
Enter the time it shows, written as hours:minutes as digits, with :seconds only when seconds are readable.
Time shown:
3:17
